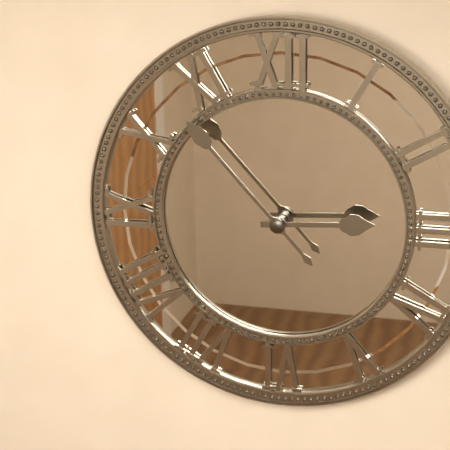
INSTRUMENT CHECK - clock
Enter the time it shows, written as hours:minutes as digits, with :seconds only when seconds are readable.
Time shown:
2:53
